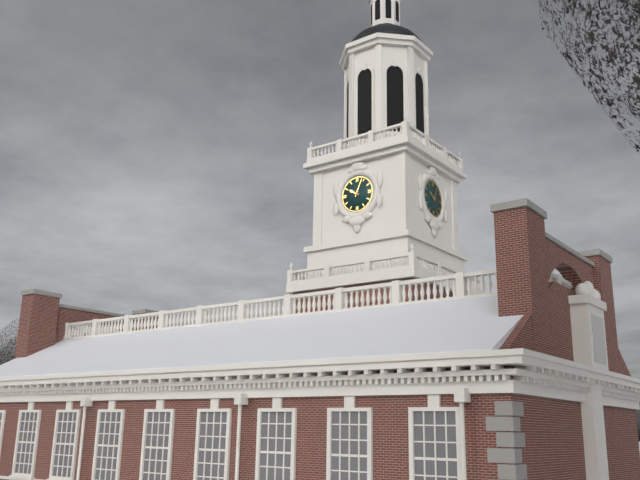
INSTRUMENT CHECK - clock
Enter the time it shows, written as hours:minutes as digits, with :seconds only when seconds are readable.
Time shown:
10:04
